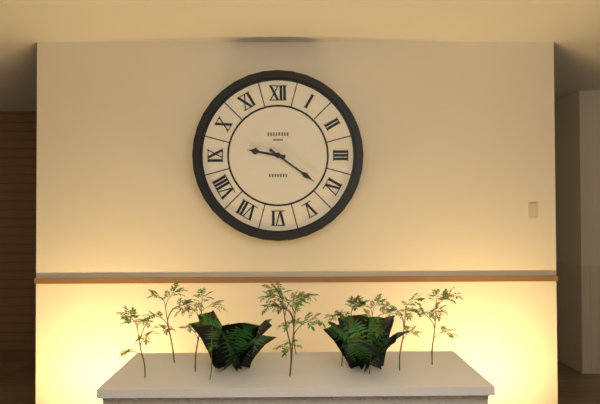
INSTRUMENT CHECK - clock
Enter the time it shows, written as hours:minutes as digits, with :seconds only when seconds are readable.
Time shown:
9:21
